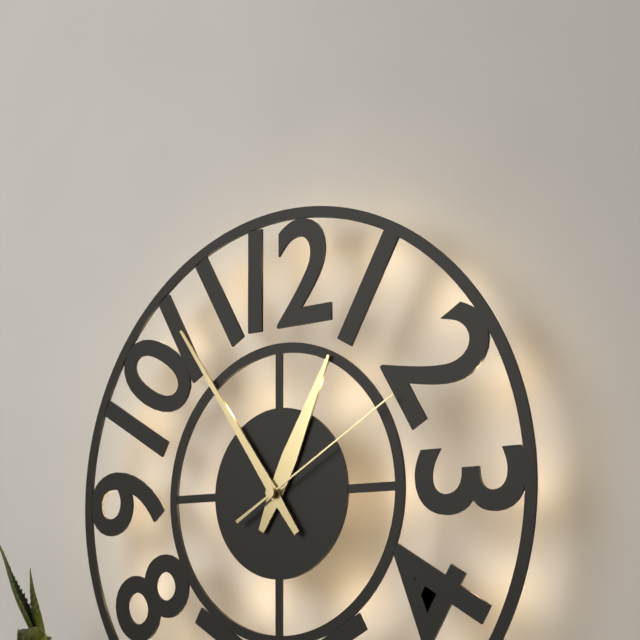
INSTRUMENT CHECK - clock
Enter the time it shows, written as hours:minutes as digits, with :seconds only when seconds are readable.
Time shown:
12:54:10
